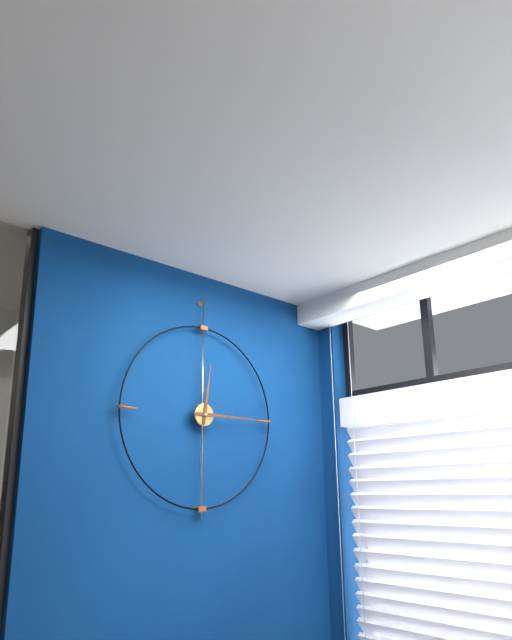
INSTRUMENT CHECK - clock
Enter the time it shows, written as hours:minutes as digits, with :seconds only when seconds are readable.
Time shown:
12:15
